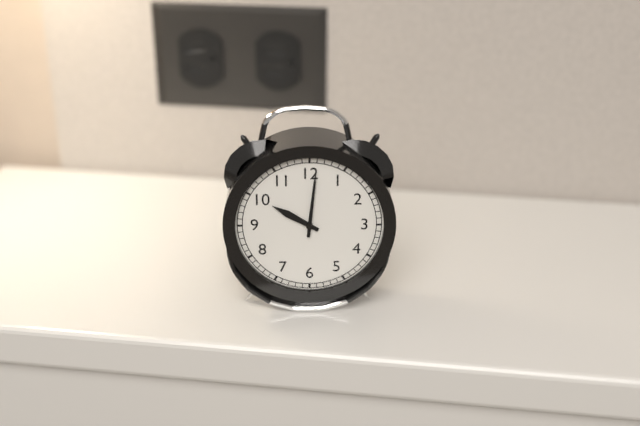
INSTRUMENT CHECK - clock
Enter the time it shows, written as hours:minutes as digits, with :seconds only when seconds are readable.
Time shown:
10:01
